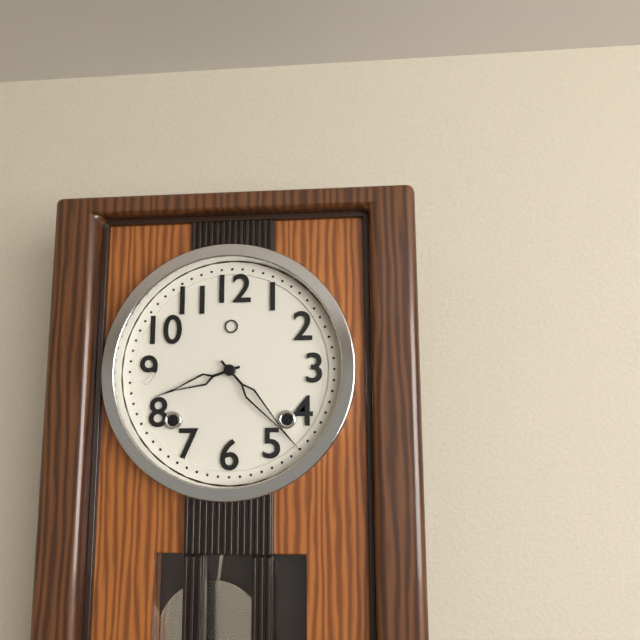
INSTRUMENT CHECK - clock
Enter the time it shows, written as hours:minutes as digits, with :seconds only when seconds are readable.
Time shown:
8:23
